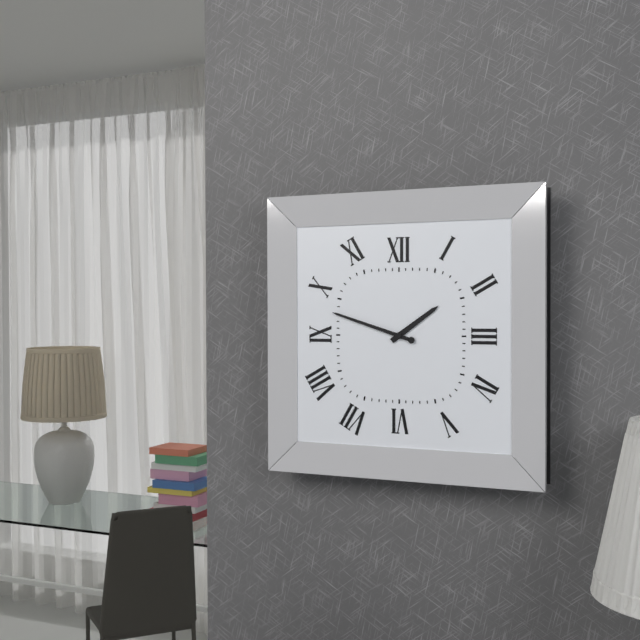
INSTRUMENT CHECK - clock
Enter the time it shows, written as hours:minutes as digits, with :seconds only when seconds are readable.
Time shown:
1:48
